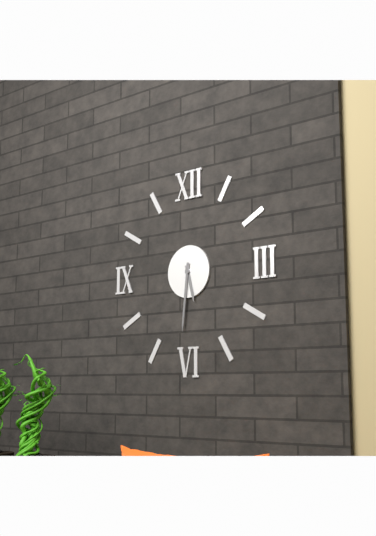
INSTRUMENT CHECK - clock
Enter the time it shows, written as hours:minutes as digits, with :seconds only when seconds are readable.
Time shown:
5:31
